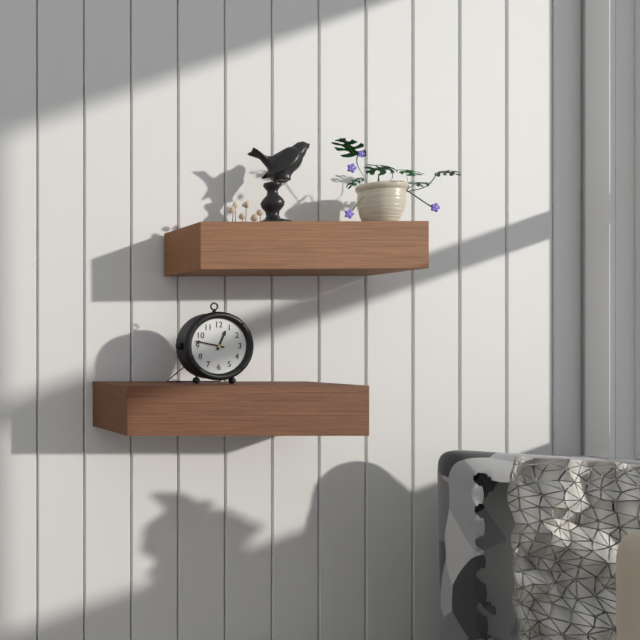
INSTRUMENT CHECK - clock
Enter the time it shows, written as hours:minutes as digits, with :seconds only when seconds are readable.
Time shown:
12:47
